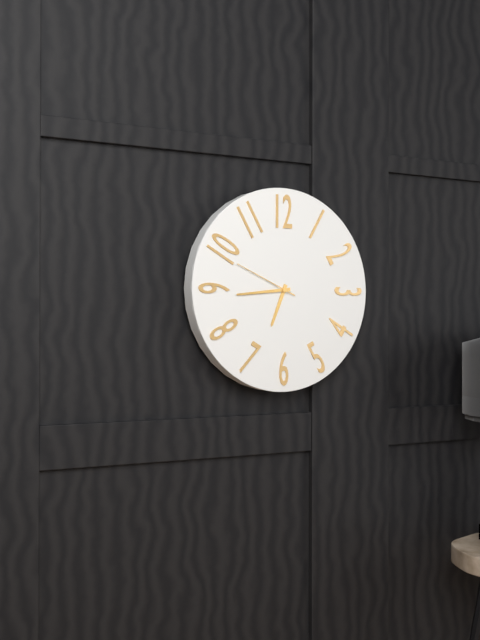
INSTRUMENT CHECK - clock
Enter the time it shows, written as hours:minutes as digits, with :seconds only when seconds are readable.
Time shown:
6:44:49
